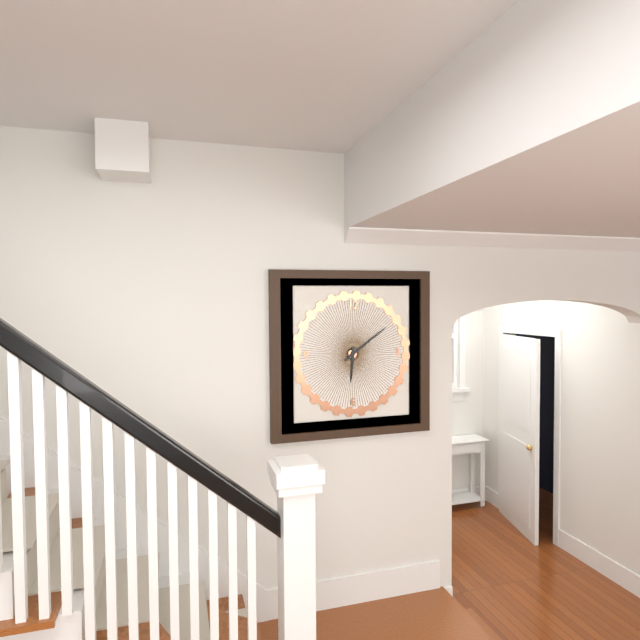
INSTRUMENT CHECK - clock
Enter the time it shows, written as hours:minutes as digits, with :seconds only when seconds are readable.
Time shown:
6:09
